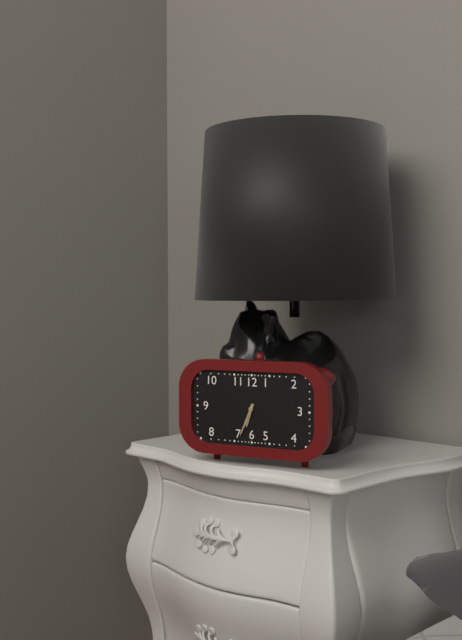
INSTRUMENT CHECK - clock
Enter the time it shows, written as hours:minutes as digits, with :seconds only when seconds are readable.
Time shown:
6:34
